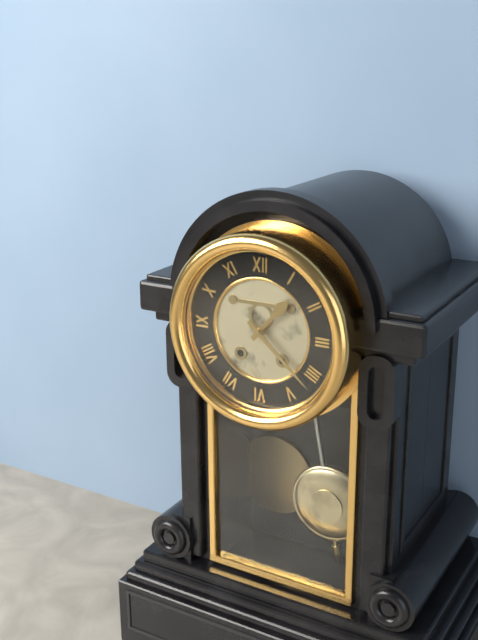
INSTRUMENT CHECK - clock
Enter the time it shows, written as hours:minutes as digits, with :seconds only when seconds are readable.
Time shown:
1:22
